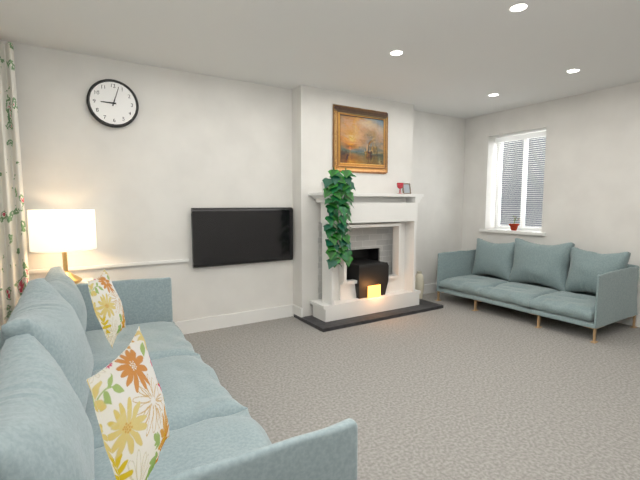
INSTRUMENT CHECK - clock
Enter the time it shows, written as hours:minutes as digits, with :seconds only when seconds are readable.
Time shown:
9:03
